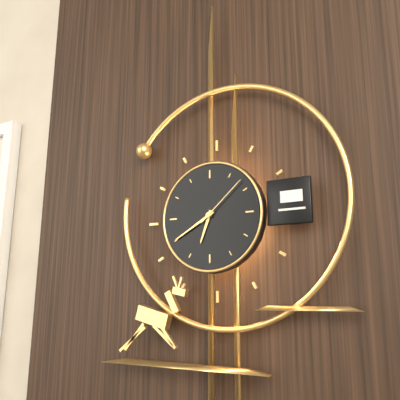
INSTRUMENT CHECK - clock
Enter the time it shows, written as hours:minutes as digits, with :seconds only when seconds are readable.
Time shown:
6:40:08
